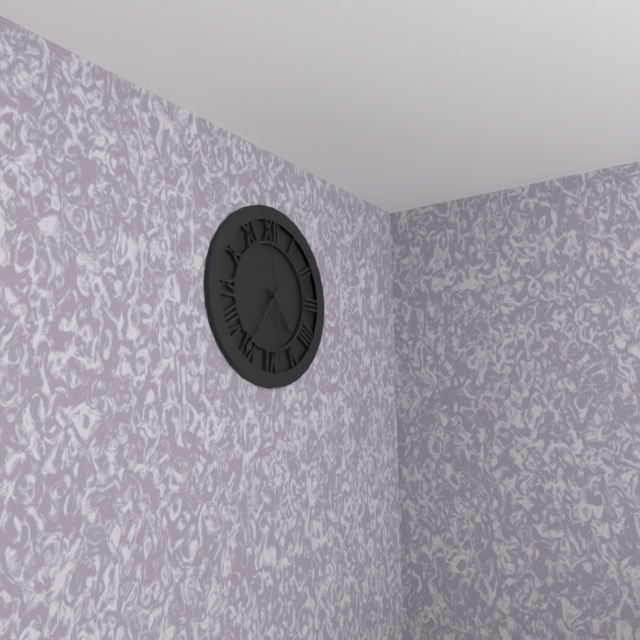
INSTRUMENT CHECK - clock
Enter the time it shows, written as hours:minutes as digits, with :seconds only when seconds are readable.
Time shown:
4:36:29
